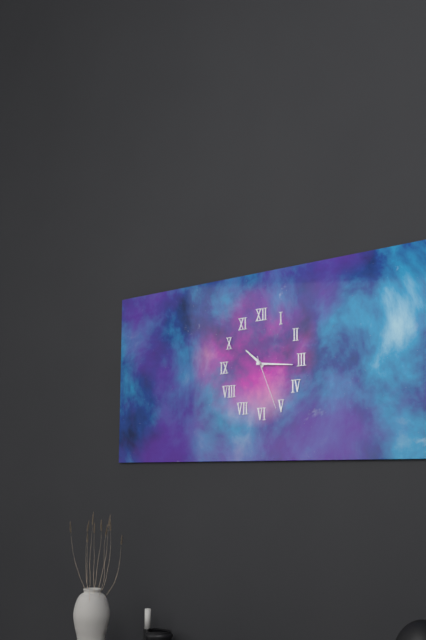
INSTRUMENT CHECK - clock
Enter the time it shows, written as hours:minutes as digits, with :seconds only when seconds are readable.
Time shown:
10:16:26
